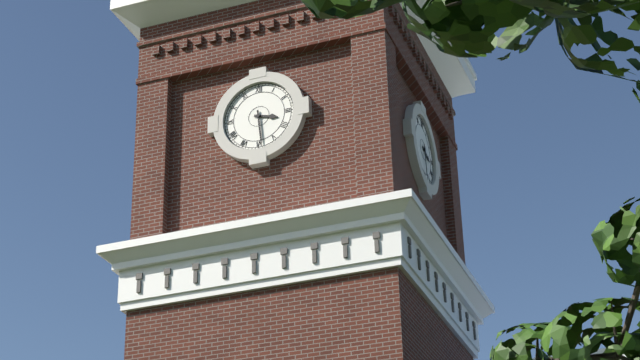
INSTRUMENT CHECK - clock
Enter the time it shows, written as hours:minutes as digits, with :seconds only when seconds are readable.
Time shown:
3:29
